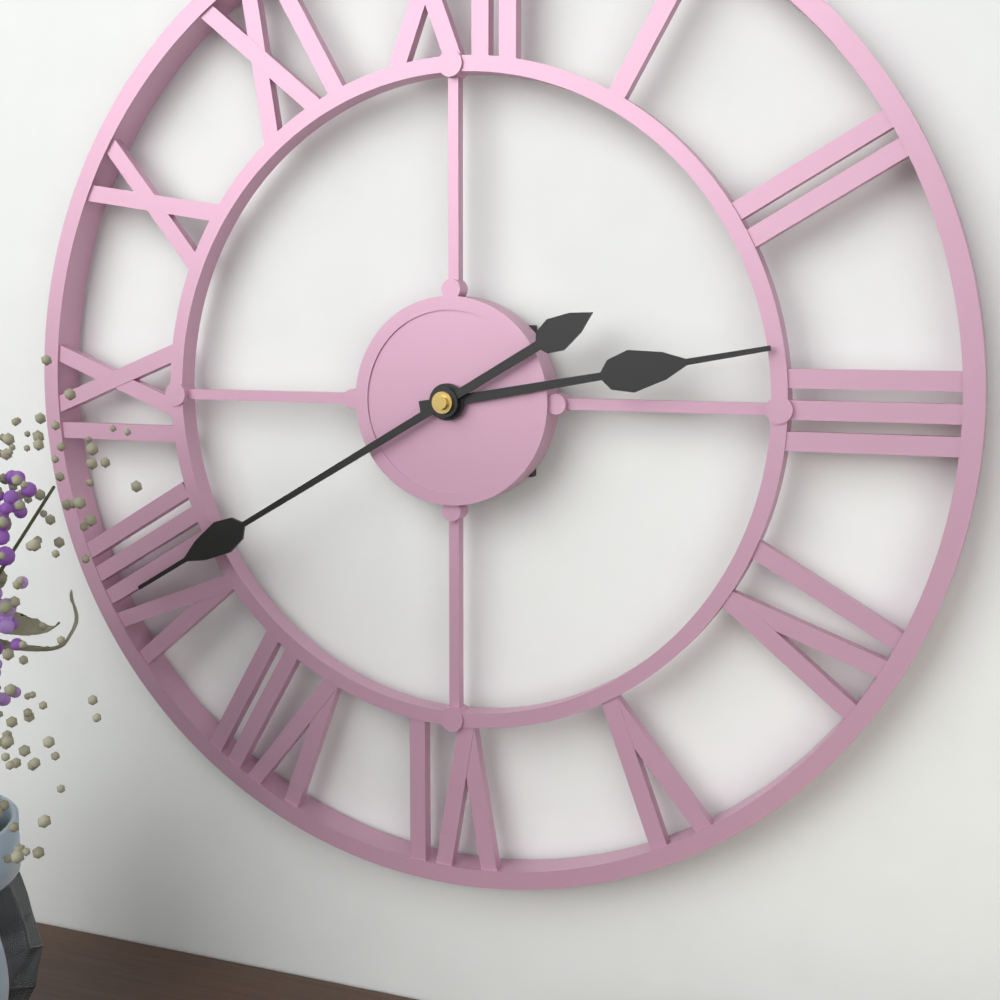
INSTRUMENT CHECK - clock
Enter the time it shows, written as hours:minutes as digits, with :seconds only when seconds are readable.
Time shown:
2:40
